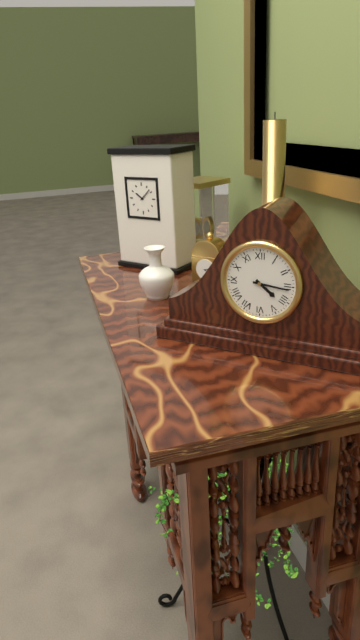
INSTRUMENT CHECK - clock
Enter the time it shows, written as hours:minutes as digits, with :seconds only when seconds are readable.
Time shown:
4:16
